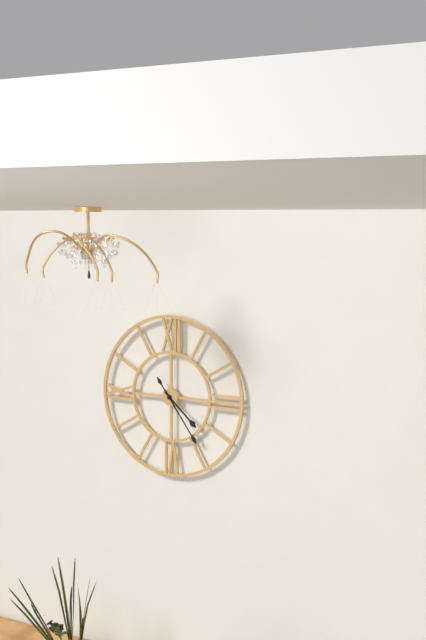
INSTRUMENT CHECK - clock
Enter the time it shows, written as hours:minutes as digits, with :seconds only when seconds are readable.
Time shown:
4:24
